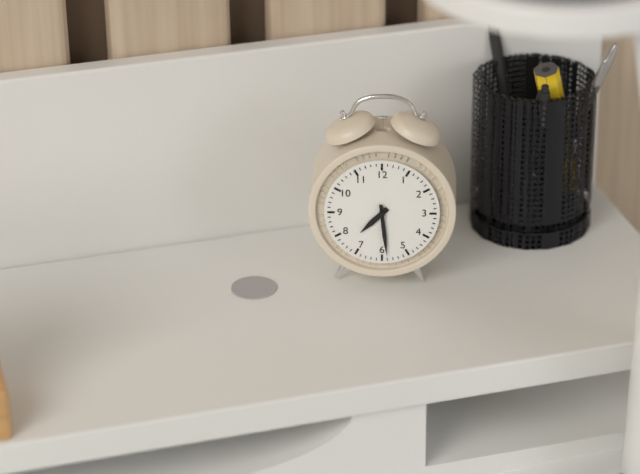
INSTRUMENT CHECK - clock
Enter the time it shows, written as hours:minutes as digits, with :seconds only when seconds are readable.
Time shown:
7:29
